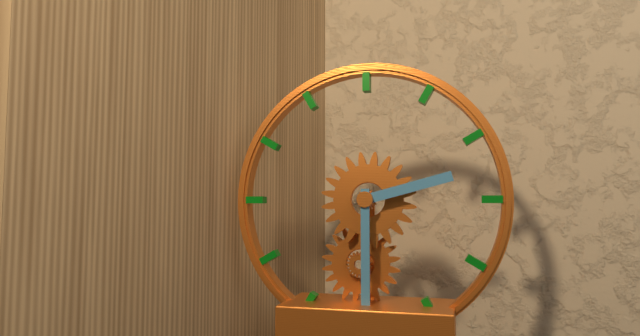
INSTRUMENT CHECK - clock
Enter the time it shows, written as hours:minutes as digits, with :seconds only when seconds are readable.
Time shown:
2:30
